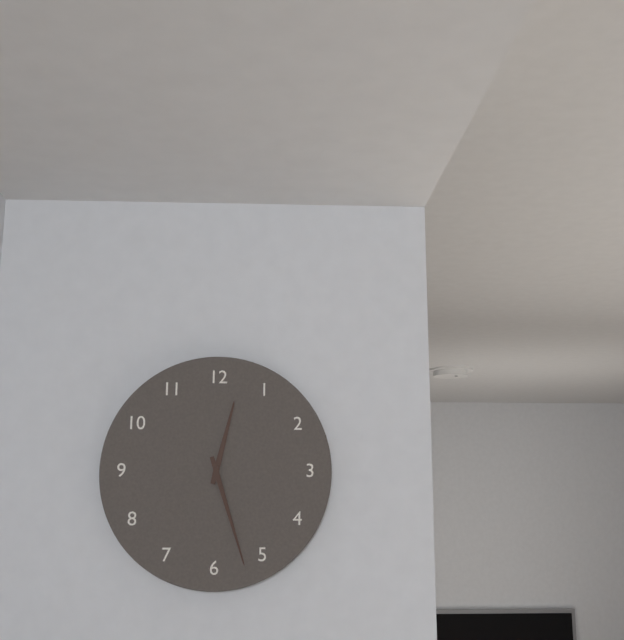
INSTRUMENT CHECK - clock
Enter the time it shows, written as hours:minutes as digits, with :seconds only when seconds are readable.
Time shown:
12:27
